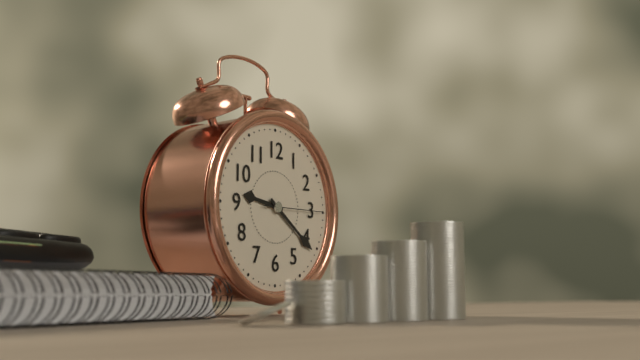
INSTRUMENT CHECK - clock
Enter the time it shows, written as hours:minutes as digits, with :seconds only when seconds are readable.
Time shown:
9:21:15
